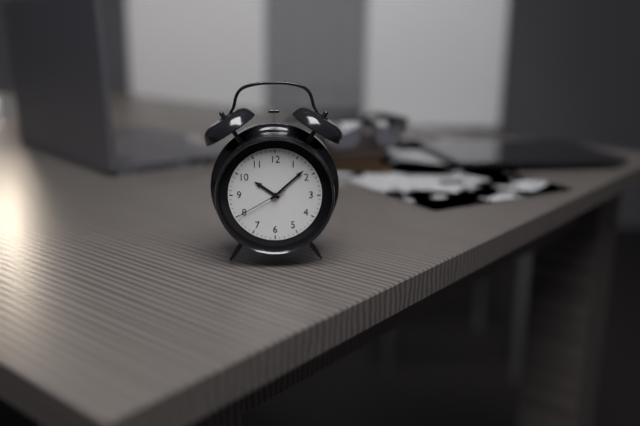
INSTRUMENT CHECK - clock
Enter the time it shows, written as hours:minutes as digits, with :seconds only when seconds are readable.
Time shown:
10:08:40
